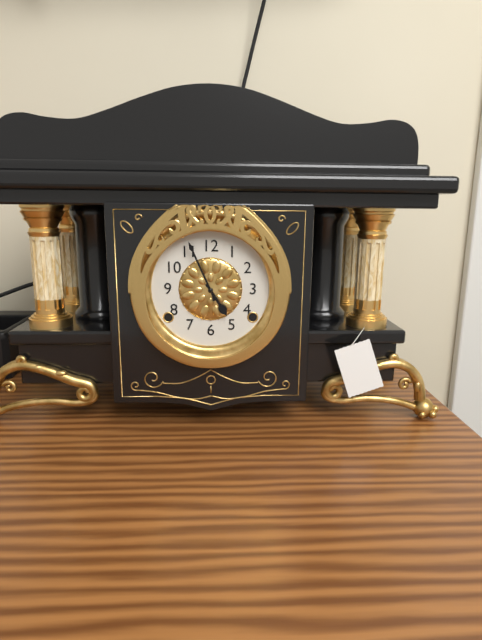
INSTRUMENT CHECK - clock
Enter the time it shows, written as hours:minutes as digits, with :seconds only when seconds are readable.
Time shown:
4:56
